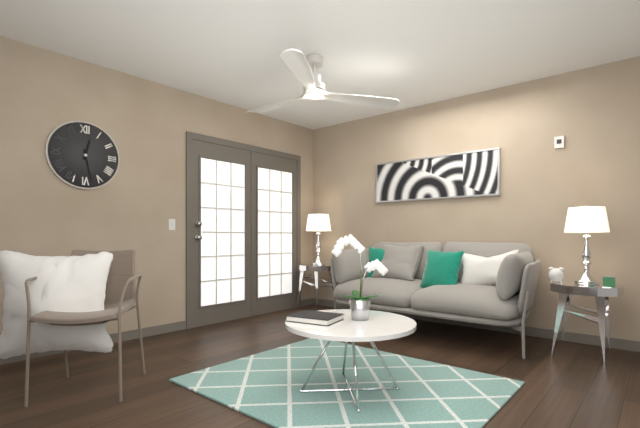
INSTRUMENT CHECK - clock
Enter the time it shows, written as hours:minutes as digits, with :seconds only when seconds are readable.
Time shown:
12:28
